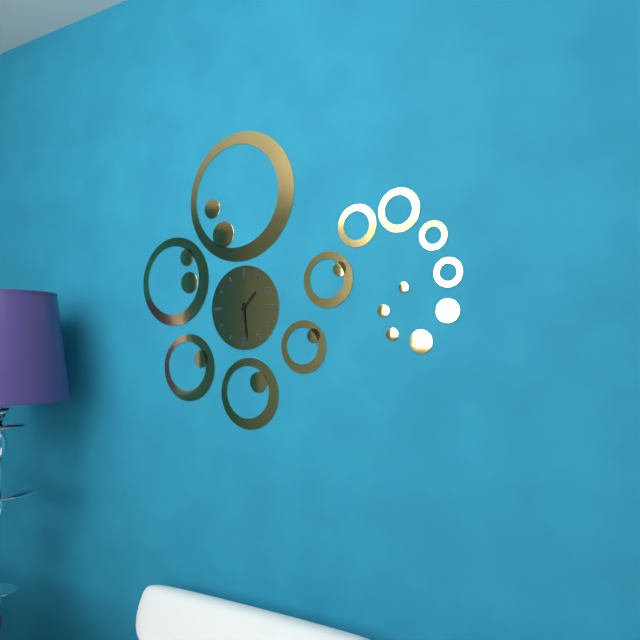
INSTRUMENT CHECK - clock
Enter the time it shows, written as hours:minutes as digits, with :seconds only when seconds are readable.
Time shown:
1:29
